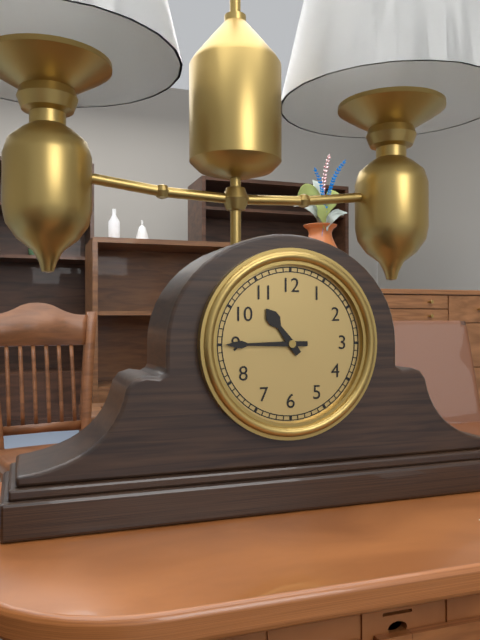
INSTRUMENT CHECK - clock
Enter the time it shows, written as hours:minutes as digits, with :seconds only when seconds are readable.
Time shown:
10:45
